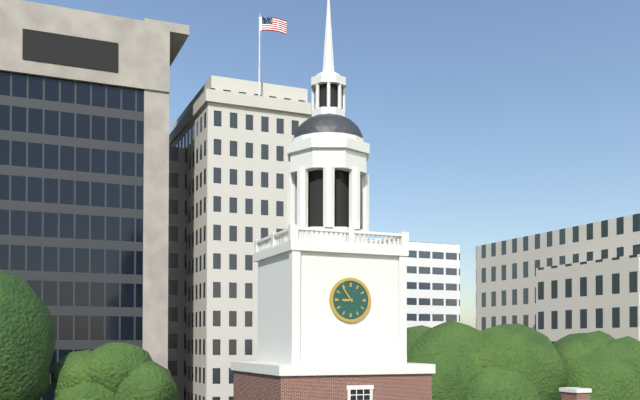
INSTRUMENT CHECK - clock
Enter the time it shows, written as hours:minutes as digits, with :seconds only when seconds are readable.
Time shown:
8:54
